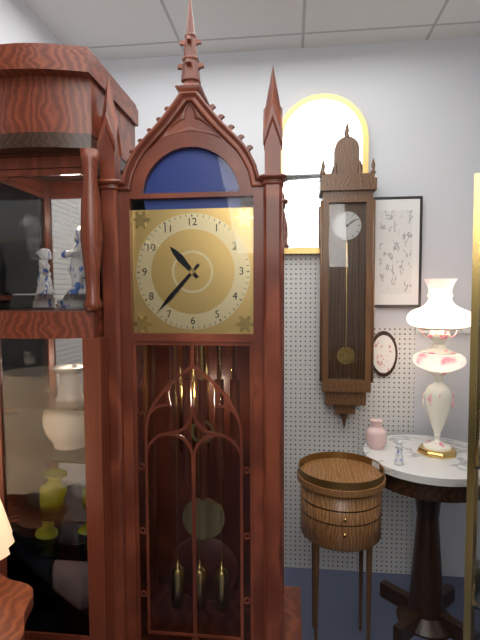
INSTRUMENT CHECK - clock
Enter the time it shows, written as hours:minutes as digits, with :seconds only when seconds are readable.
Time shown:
10:37
